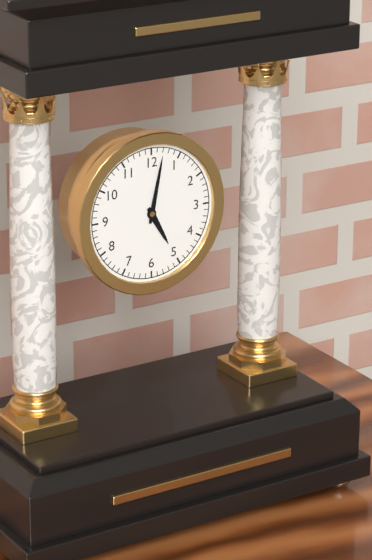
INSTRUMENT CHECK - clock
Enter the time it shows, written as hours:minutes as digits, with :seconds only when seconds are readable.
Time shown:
5:02
